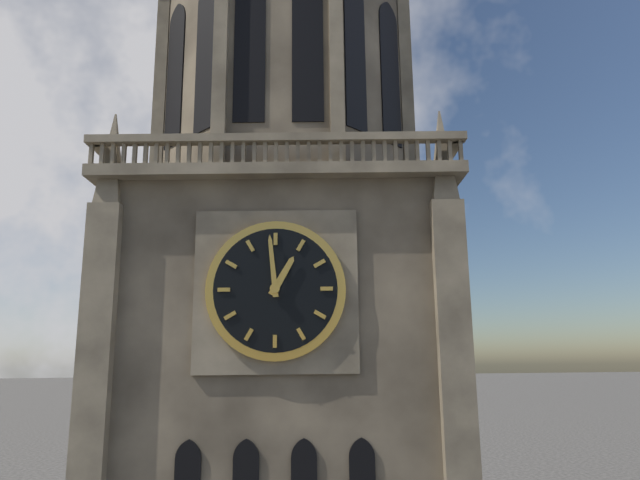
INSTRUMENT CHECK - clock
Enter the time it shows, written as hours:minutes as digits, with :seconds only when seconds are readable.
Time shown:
12:59
